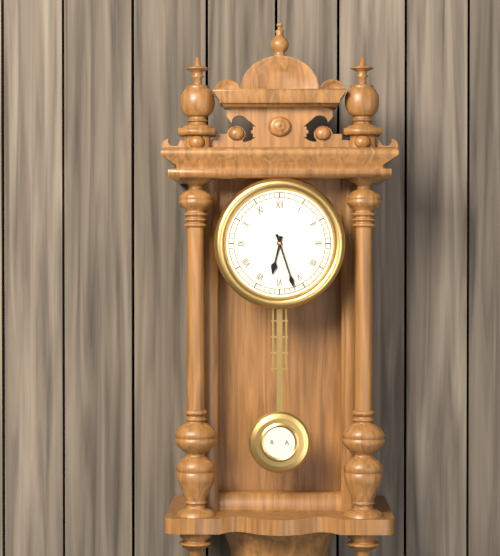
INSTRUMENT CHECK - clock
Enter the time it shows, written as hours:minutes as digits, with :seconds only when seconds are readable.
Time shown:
6:27
